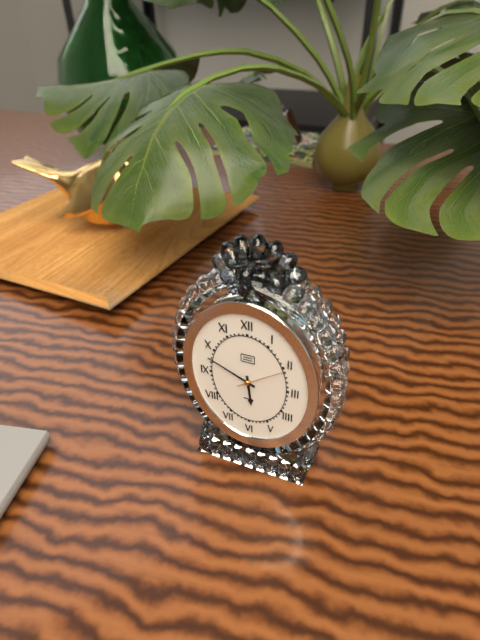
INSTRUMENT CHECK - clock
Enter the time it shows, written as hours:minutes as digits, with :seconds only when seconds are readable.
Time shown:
5:49
